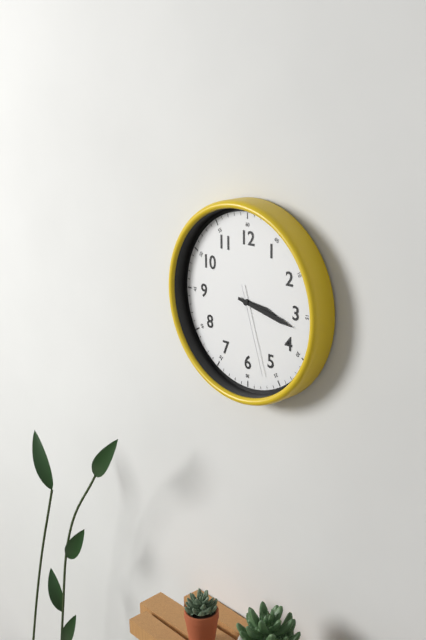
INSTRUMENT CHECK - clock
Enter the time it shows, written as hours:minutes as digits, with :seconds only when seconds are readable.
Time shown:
3:17:27
